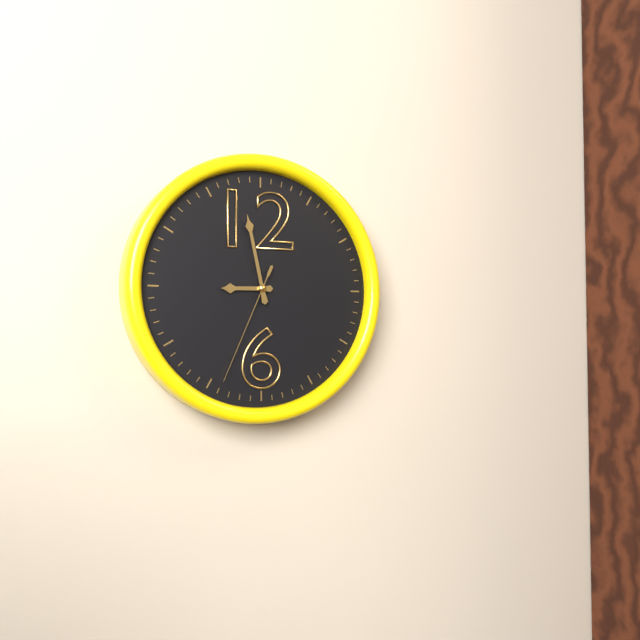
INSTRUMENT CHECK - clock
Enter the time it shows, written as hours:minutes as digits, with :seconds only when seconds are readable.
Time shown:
8:58:34
